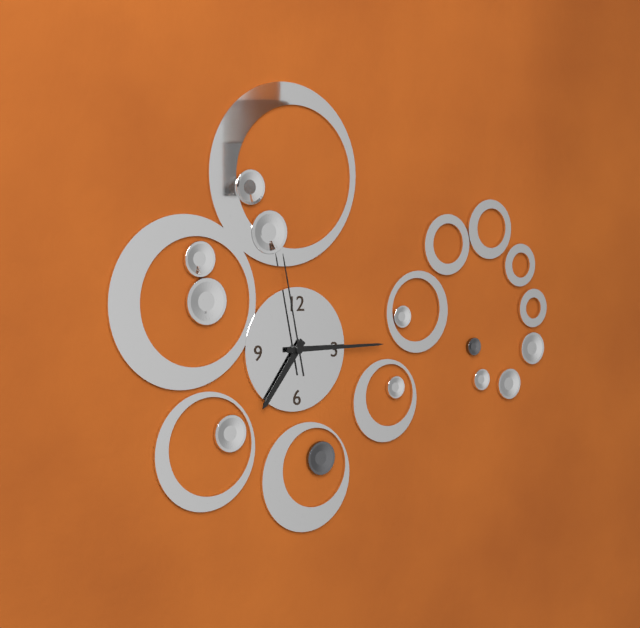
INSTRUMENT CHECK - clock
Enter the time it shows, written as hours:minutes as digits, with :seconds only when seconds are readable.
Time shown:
7:15:58
